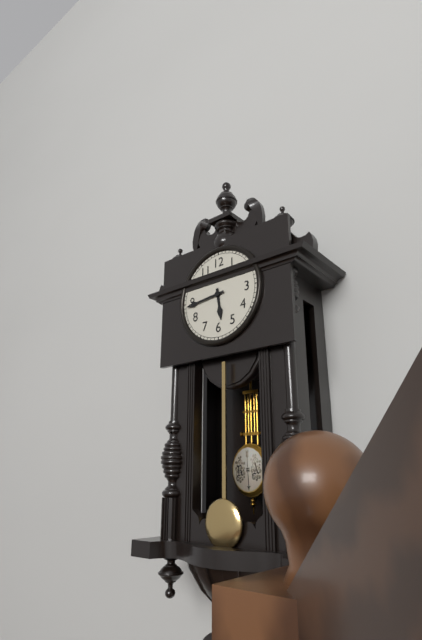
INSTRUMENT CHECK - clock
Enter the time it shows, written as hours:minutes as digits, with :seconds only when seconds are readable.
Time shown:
5:44
